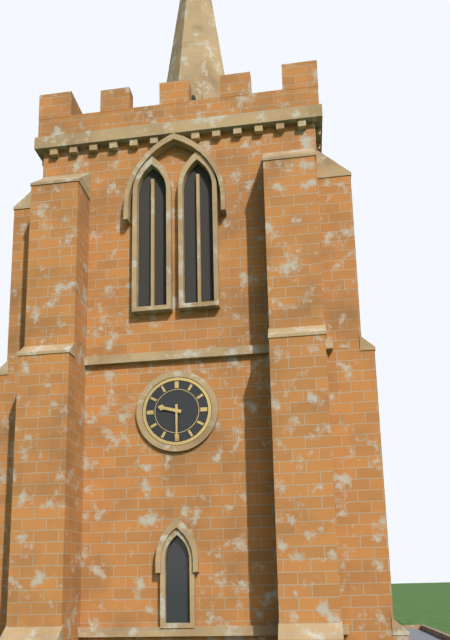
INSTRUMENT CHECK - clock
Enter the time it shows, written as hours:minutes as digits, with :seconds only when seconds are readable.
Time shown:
9:30
